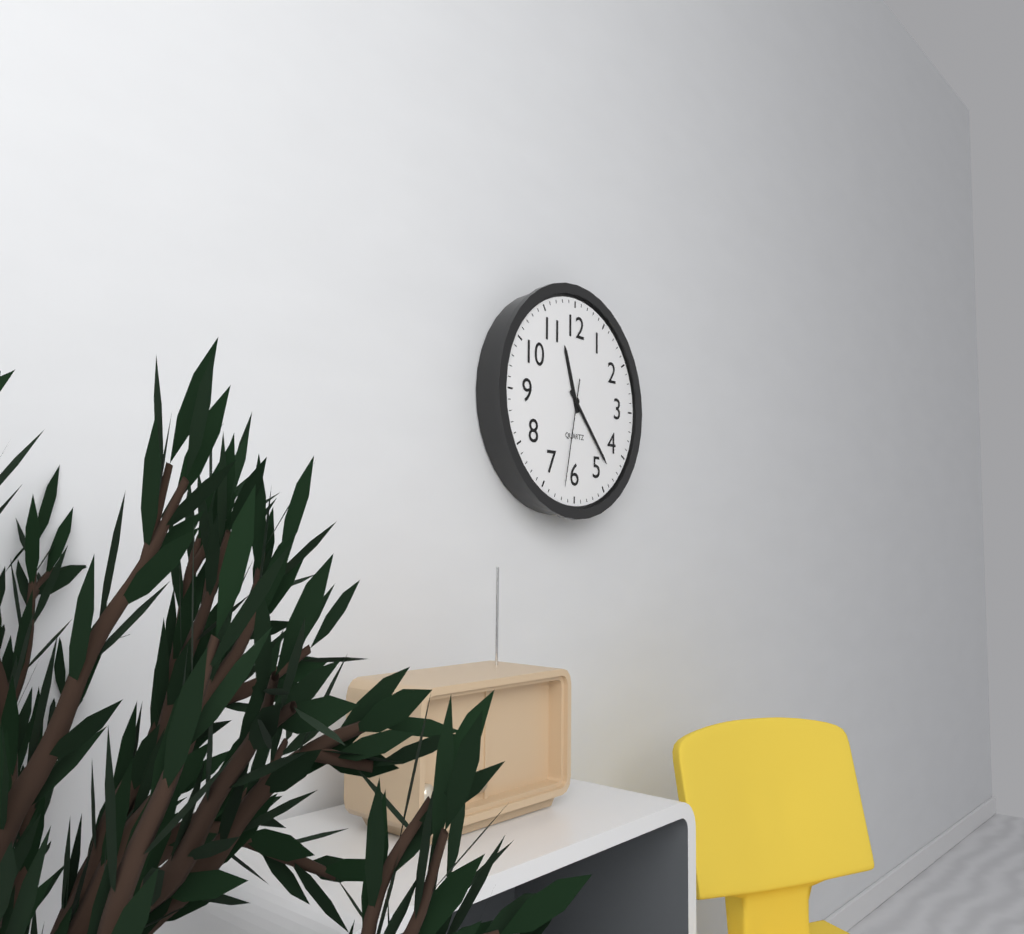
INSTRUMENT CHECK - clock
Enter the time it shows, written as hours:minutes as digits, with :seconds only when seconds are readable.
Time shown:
11:23:32
